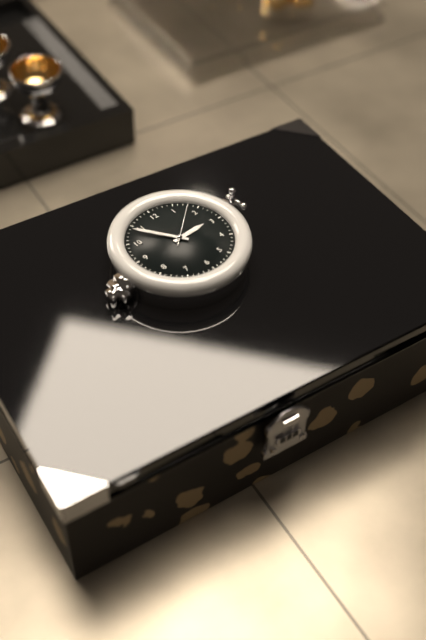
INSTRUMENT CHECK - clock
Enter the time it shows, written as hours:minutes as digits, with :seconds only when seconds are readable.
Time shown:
2:54:08
